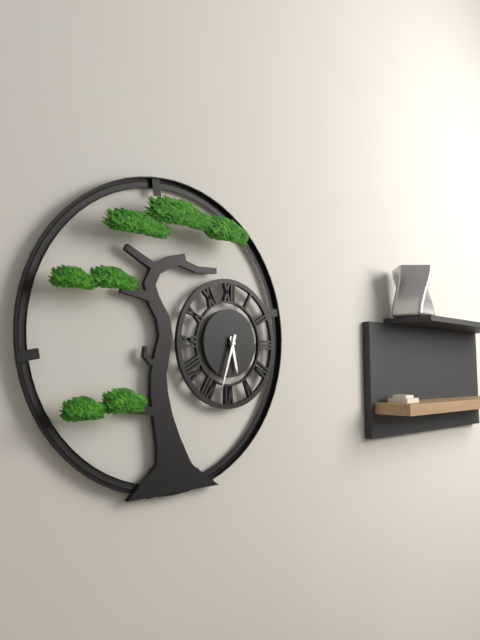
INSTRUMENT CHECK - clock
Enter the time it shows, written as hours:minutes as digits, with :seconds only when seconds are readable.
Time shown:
5:33
